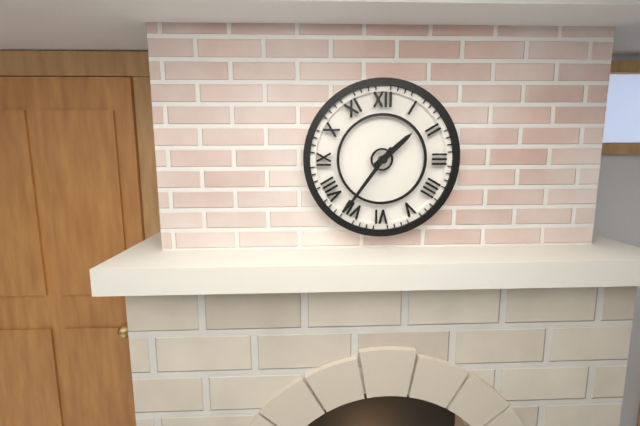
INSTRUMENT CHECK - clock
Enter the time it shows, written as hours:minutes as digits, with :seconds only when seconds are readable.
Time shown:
1:36
